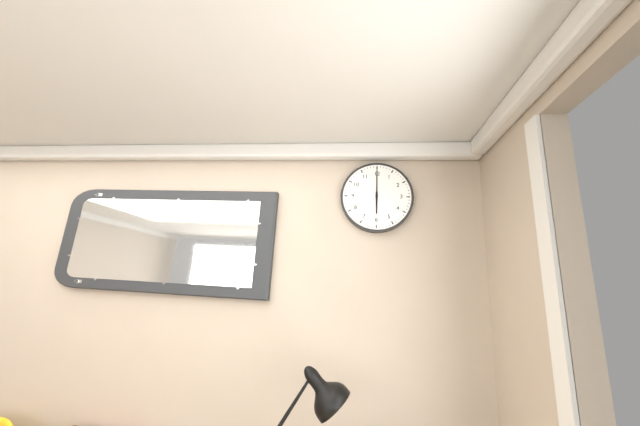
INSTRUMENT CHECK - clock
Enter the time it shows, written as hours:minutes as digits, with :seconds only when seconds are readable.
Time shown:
6:00
